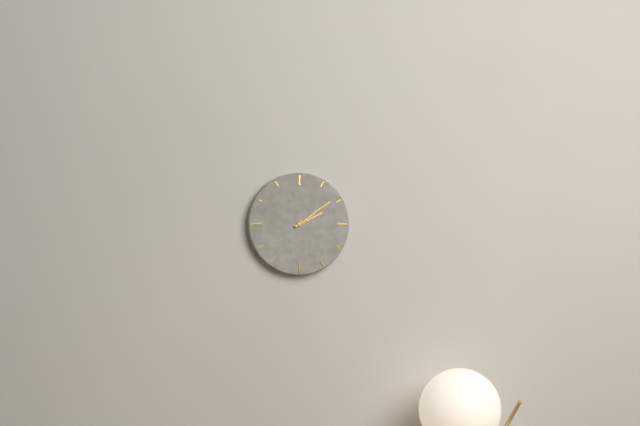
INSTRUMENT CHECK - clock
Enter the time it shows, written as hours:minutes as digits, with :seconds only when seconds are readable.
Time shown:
2:09
